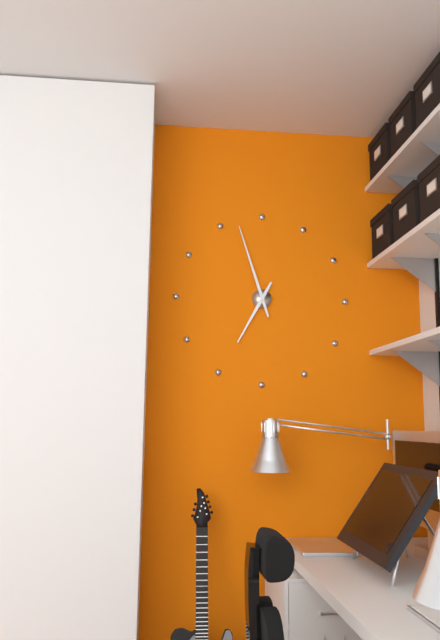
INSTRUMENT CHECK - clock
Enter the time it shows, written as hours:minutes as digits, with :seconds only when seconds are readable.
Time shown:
6:57
